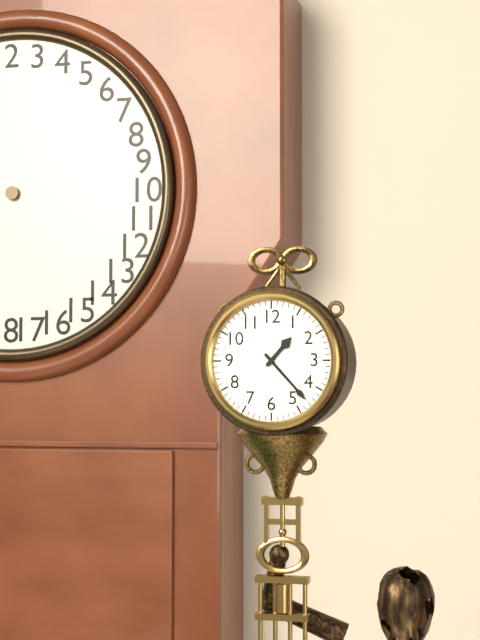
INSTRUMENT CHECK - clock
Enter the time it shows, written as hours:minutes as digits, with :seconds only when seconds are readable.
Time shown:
1:23
